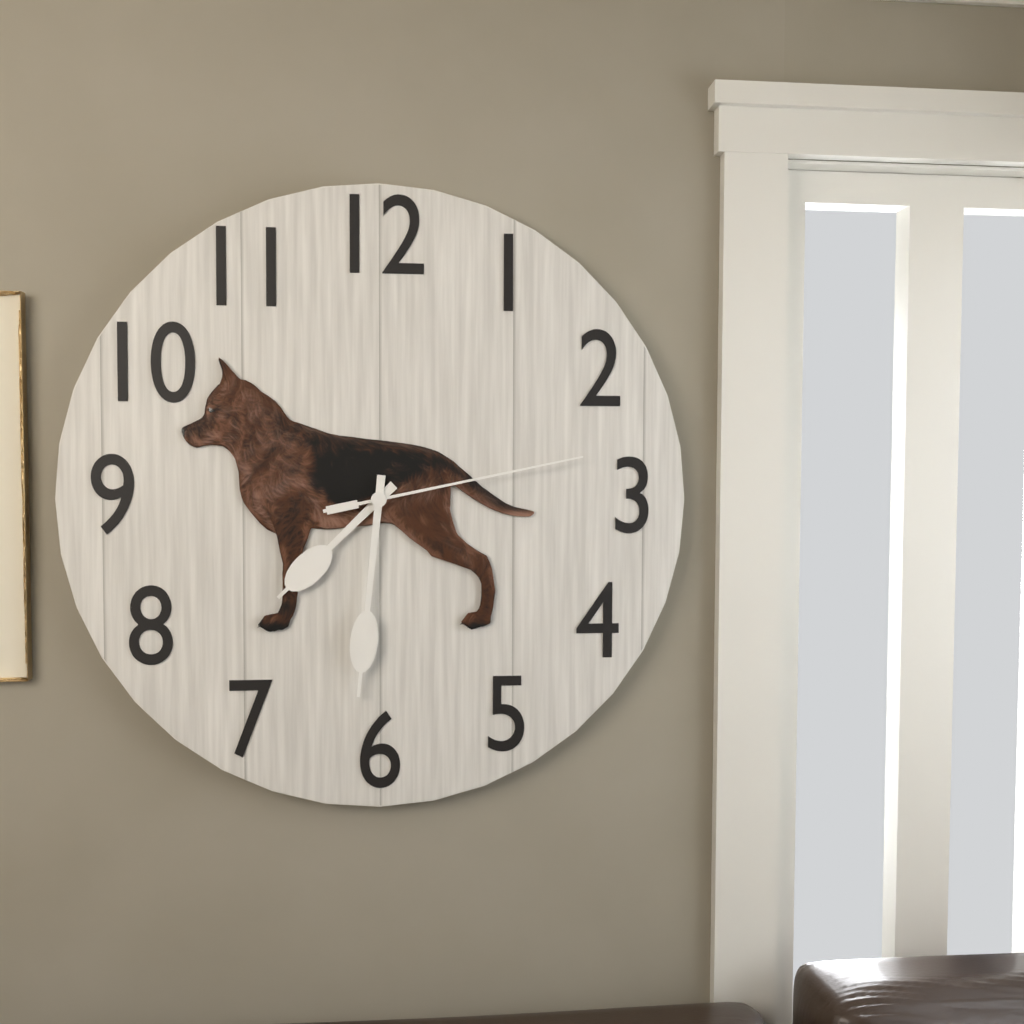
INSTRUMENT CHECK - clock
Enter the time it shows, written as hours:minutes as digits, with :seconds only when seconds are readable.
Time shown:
7:31:13
